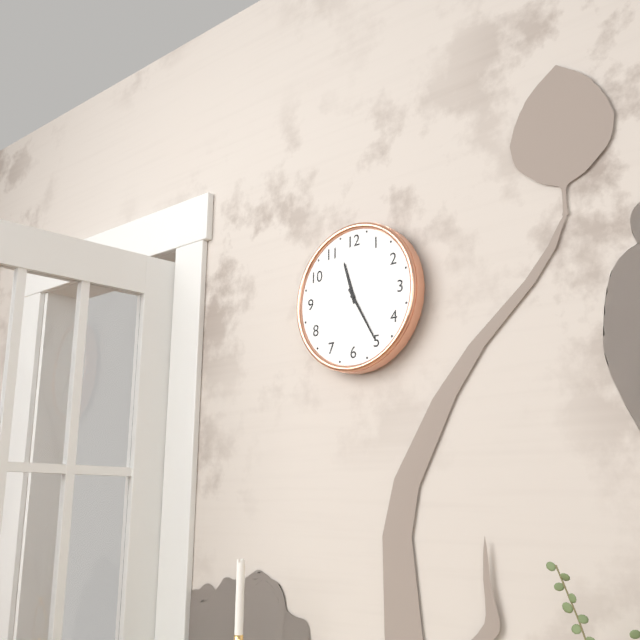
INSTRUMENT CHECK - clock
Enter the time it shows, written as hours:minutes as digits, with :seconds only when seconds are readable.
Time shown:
11:25
